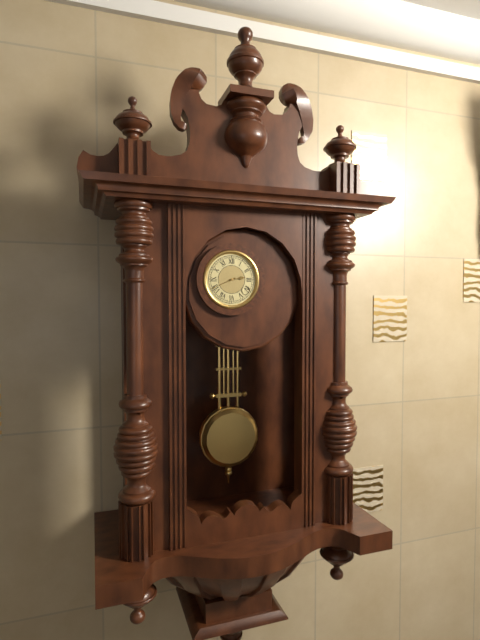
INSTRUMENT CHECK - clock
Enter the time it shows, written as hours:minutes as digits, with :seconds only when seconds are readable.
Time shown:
2:41
